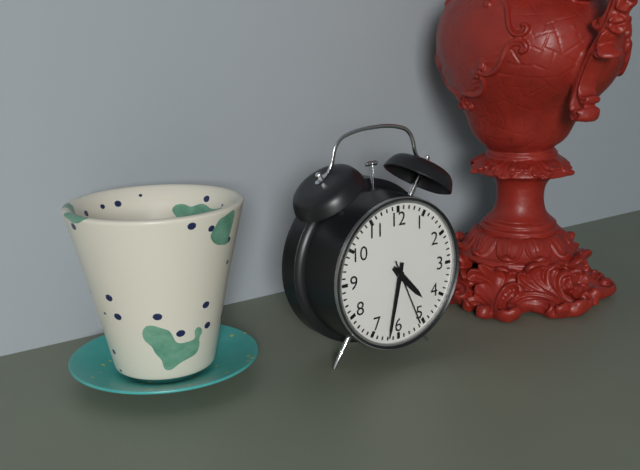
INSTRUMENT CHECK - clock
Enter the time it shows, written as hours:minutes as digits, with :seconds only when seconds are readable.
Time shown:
4:32:26
